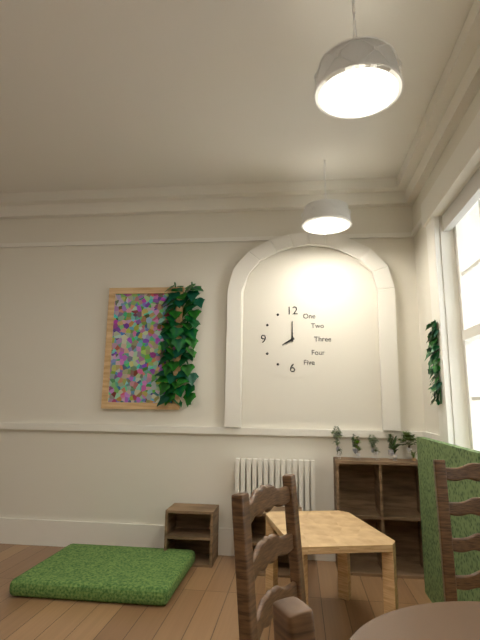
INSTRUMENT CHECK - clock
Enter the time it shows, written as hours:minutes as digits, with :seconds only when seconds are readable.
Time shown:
8:00
